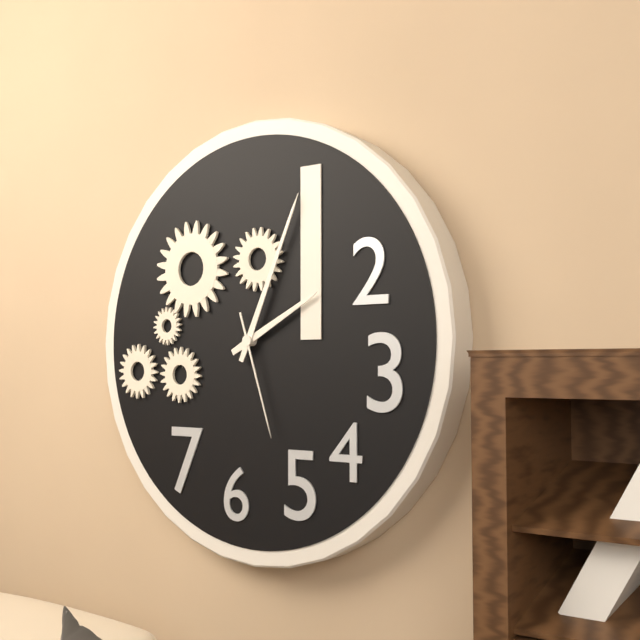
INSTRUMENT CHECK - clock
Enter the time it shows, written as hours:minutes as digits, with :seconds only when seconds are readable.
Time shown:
2:04:27
